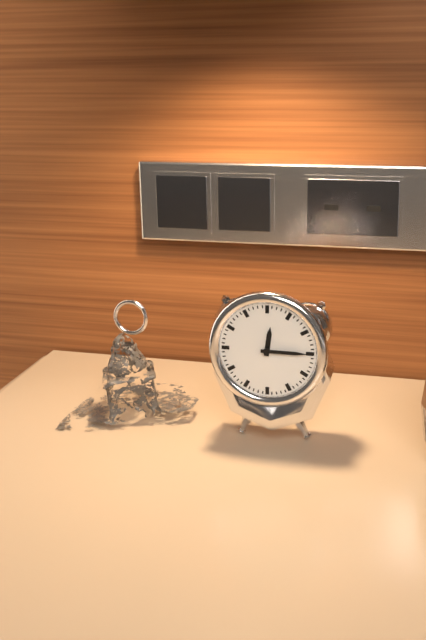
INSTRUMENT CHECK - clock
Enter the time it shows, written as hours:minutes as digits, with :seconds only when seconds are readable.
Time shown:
12:15
